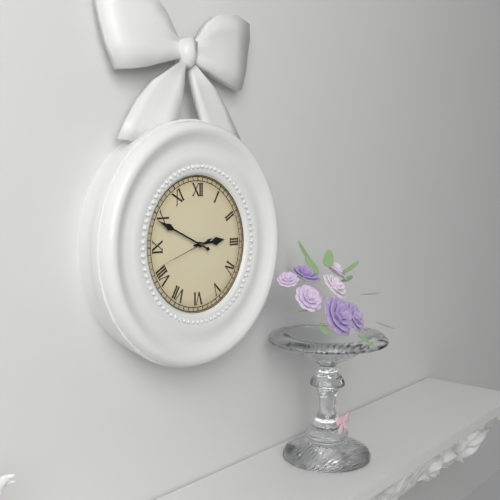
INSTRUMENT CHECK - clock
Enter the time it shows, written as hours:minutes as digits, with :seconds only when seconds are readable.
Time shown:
2:49:42
